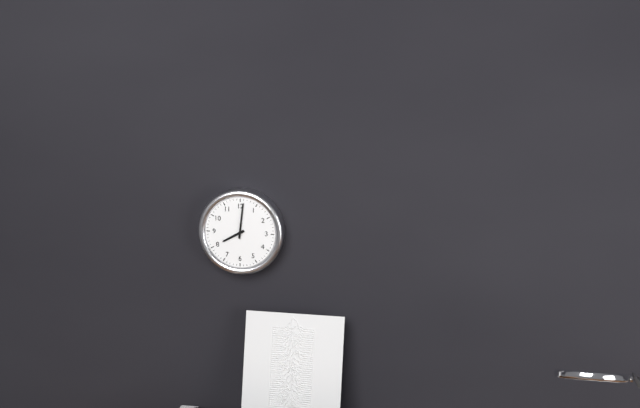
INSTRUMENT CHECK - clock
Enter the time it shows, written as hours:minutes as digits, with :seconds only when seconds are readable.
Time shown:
8:01
